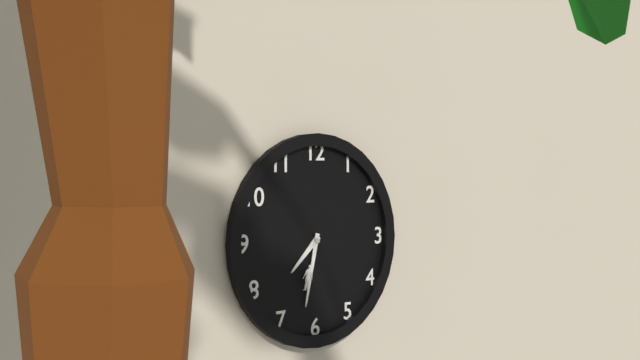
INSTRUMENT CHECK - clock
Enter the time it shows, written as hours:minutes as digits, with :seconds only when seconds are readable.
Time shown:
7:32
